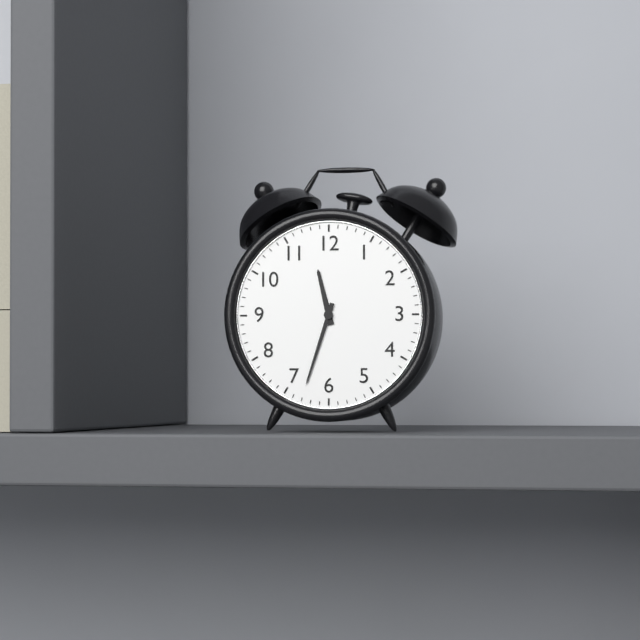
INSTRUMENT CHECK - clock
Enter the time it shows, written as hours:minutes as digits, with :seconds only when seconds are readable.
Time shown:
11:33
